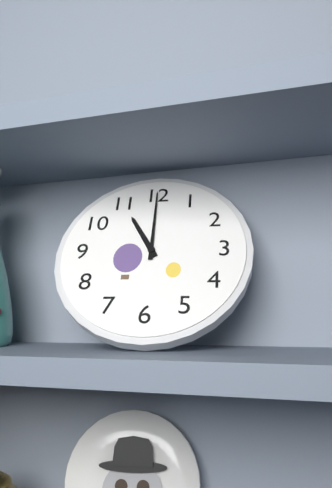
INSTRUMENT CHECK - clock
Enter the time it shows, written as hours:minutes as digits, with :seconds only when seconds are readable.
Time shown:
11:00
